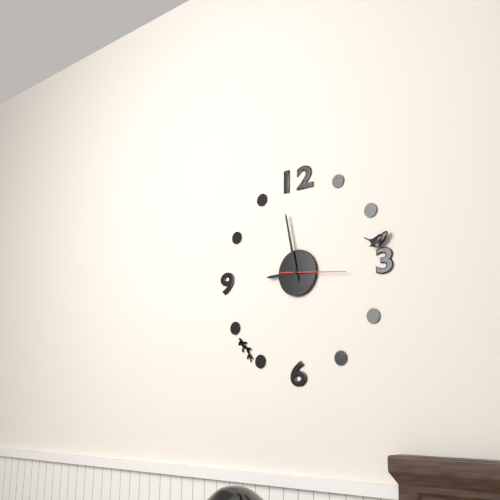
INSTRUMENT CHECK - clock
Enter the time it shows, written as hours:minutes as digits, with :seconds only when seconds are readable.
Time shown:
8:58:16
